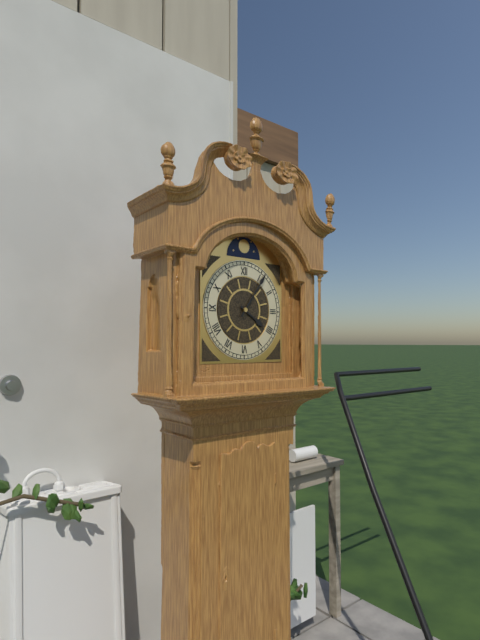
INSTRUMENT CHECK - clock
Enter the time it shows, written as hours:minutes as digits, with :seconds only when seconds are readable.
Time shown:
4:06
